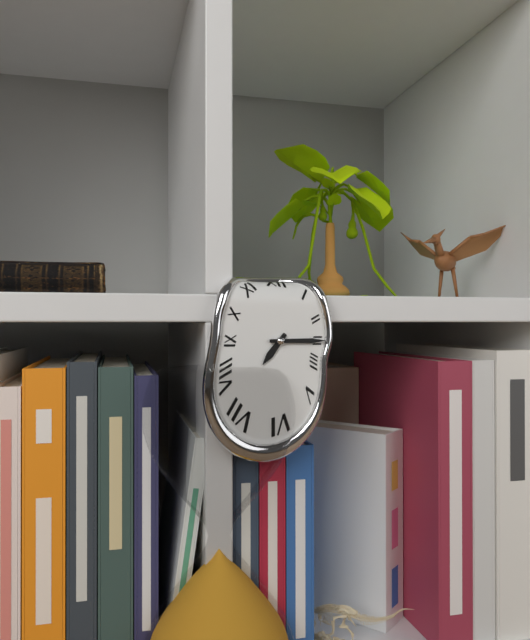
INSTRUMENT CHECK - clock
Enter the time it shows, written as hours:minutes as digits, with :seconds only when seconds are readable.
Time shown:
7:15
